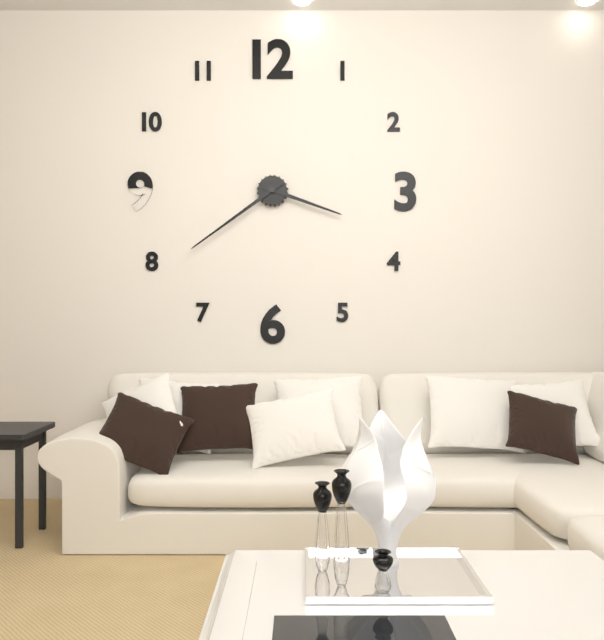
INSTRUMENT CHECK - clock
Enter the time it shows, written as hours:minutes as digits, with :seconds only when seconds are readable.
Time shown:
3:39
